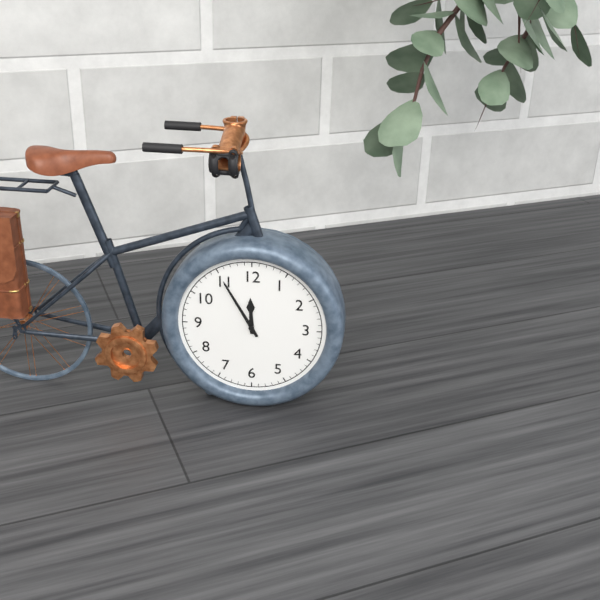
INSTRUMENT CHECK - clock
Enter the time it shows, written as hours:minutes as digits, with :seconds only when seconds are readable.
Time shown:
11:55
